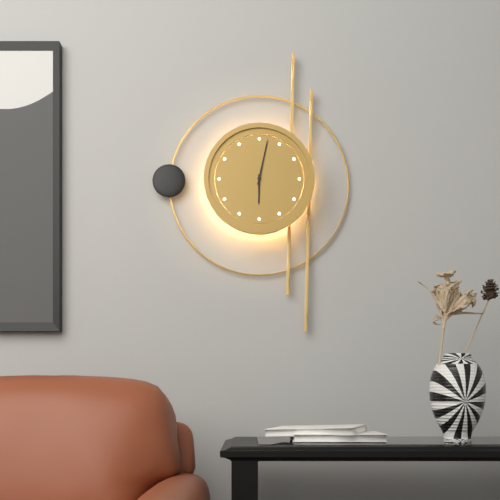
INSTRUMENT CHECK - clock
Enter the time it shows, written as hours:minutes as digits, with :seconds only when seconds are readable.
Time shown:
6:02
